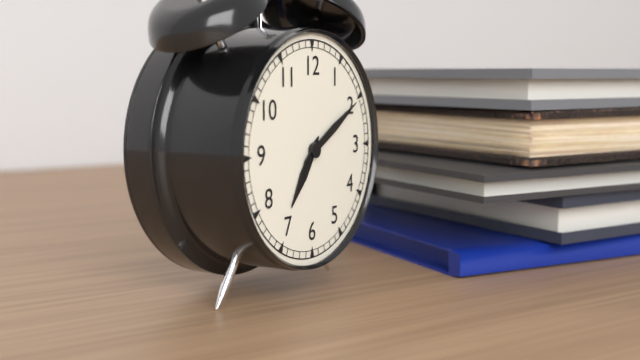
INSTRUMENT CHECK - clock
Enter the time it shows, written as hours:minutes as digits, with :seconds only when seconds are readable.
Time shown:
7:10
